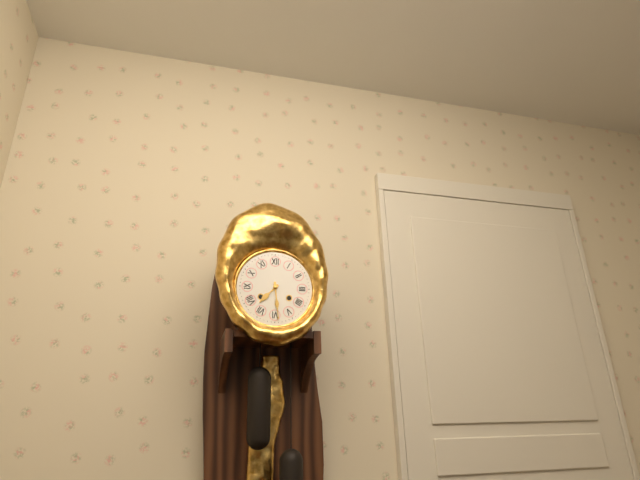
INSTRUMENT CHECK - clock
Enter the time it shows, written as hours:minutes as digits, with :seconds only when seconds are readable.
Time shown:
7:29
